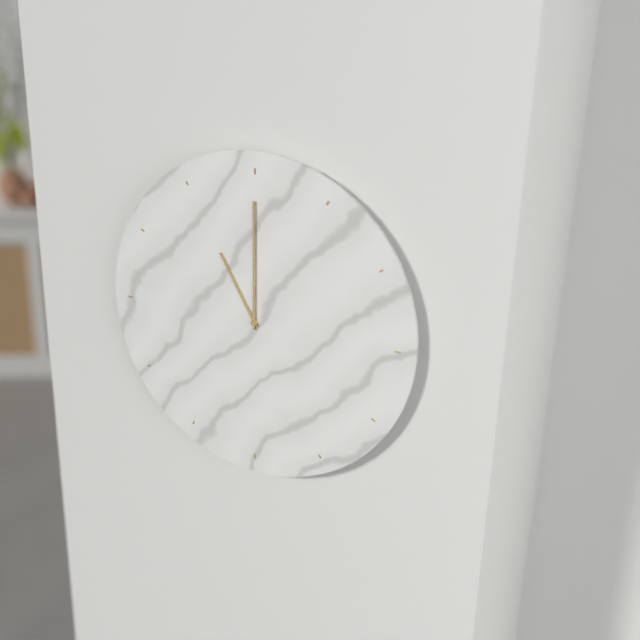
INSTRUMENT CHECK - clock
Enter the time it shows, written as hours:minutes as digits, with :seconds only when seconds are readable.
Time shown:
11:00
